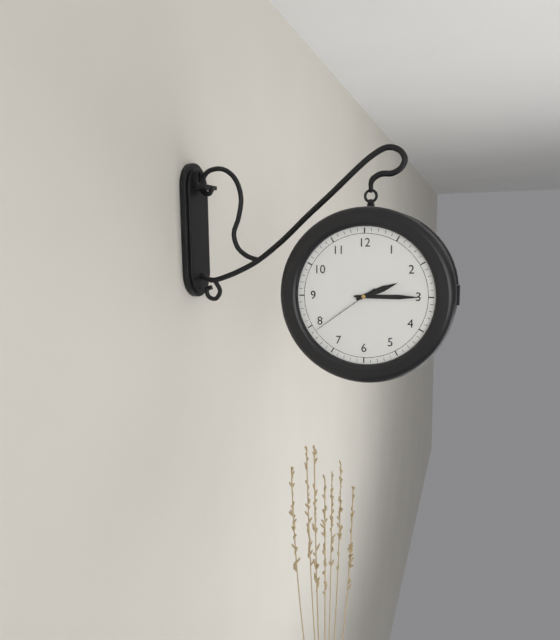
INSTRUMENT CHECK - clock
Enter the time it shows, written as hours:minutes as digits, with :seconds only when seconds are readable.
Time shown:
2:15:39
